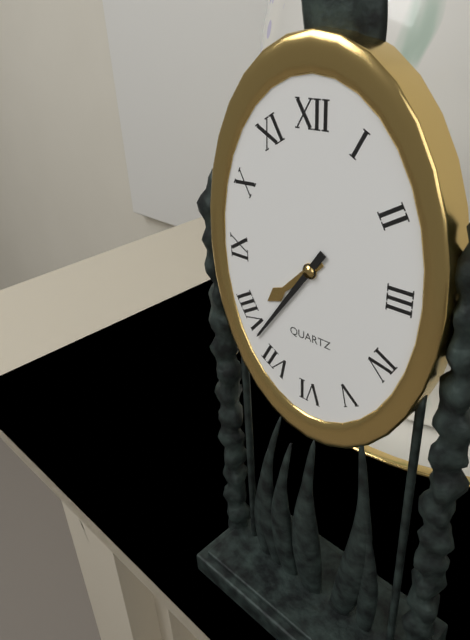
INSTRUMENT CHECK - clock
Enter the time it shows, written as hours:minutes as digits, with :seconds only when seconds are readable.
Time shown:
7:36
